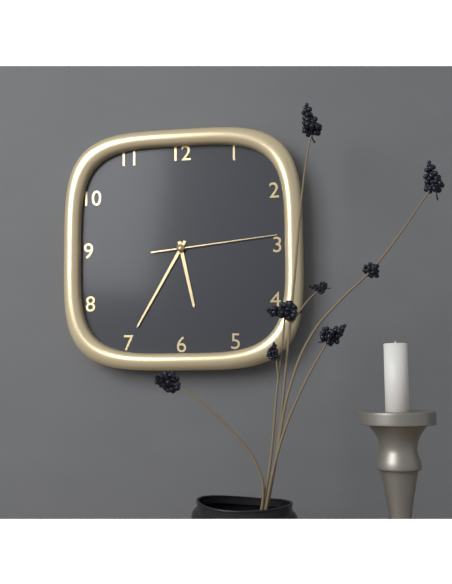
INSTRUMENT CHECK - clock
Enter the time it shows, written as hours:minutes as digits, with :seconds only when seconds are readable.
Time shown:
5:35:14
